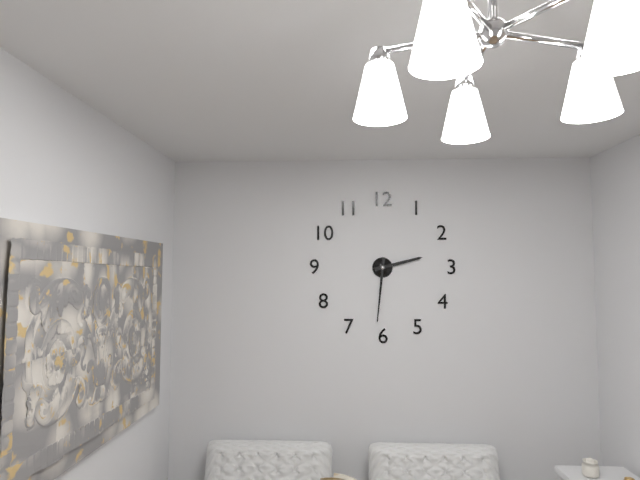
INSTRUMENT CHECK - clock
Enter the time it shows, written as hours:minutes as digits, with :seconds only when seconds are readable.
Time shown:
2:31
